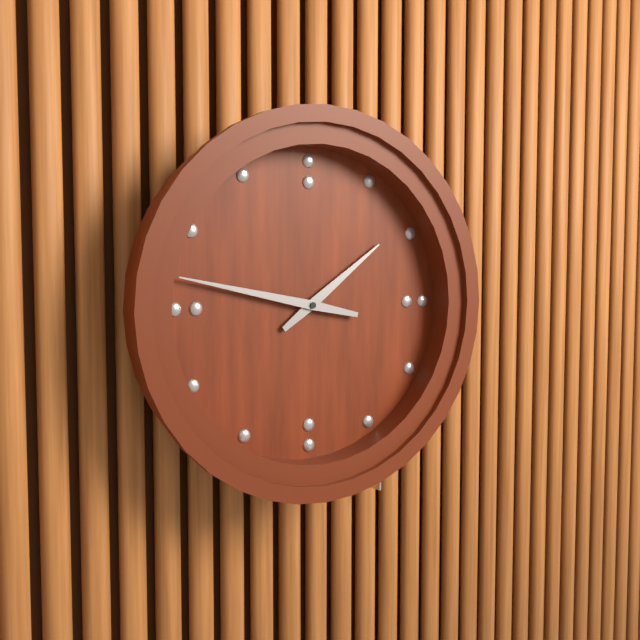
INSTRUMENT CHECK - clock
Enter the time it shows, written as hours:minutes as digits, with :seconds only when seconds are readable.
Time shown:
1:47
